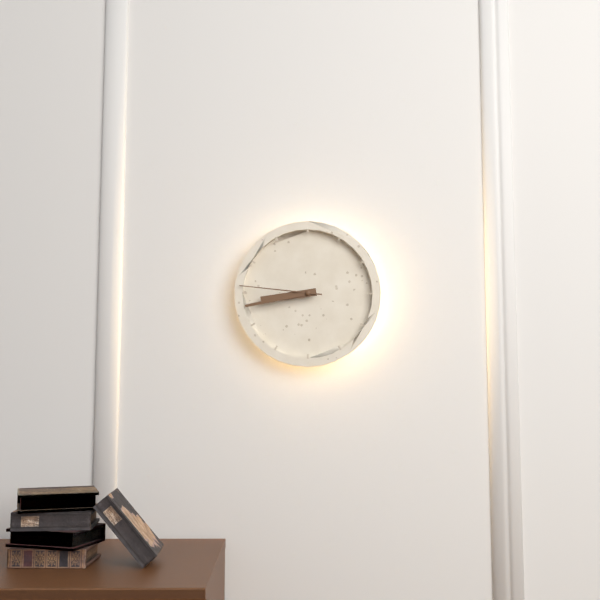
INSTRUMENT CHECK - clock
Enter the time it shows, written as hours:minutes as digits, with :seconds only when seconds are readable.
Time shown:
8:43:46
